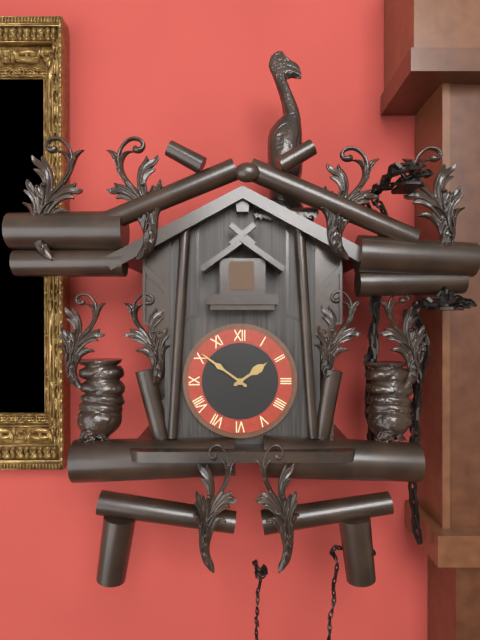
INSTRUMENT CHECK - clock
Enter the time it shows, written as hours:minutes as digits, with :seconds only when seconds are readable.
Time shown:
1:51
